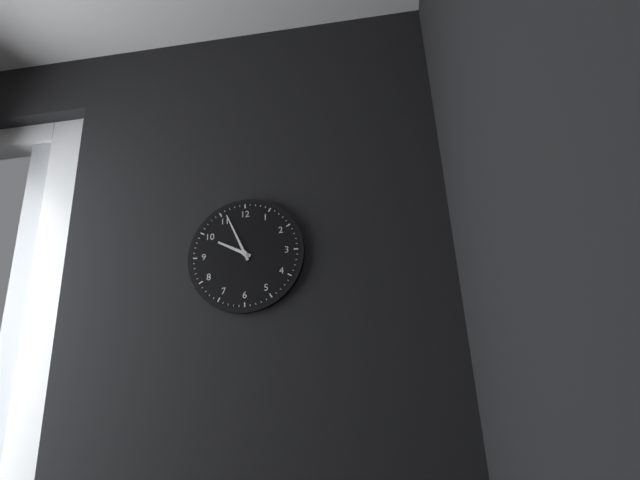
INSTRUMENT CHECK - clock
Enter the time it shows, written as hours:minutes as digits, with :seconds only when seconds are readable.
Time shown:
9:56
